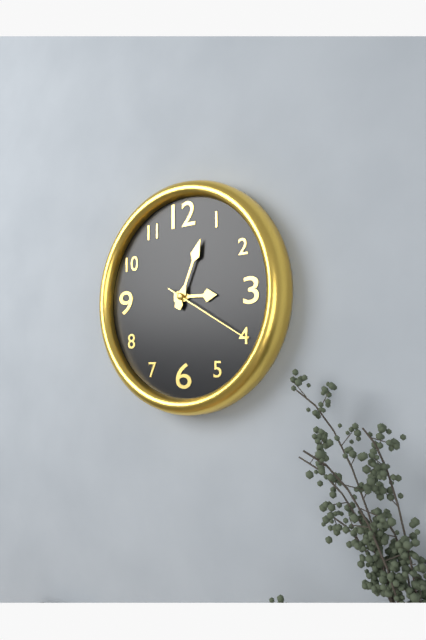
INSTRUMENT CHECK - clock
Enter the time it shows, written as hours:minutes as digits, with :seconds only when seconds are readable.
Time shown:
3:04:20
